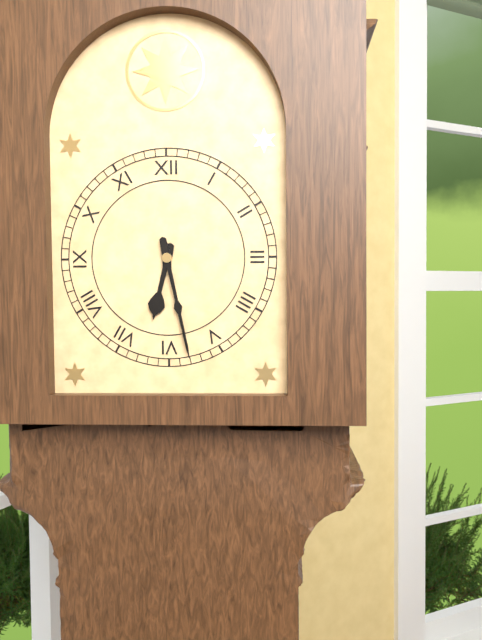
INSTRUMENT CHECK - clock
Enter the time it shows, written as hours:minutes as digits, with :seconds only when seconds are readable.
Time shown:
6:28
